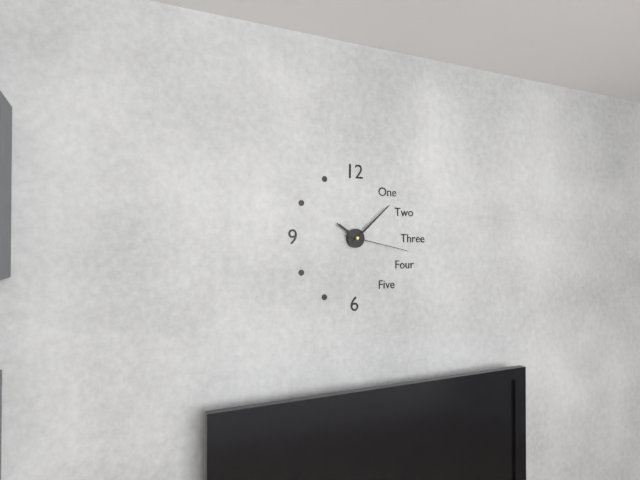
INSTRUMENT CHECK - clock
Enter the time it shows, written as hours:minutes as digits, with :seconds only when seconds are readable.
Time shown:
10:08:17
